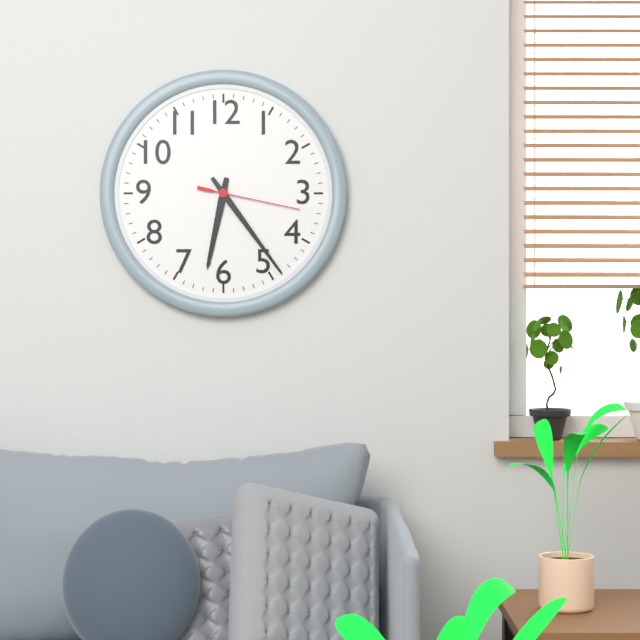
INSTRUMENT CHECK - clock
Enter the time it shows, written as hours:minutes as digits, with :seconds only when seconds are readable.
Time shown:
6:24:17
